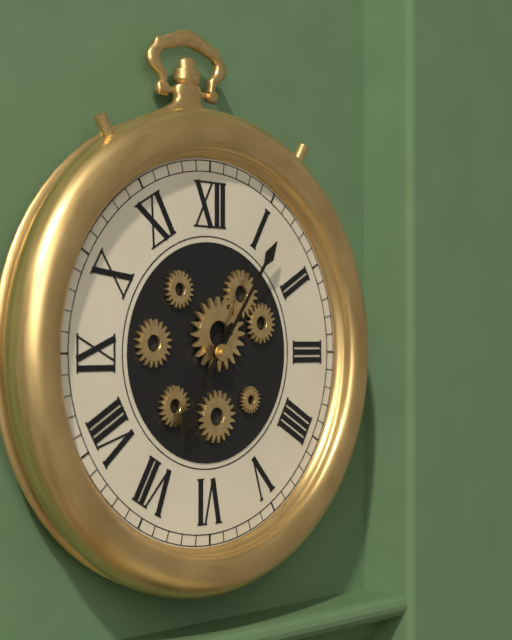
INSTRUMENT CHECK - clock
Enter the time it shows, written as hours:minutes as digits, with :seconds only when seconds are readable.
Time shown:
7:06
